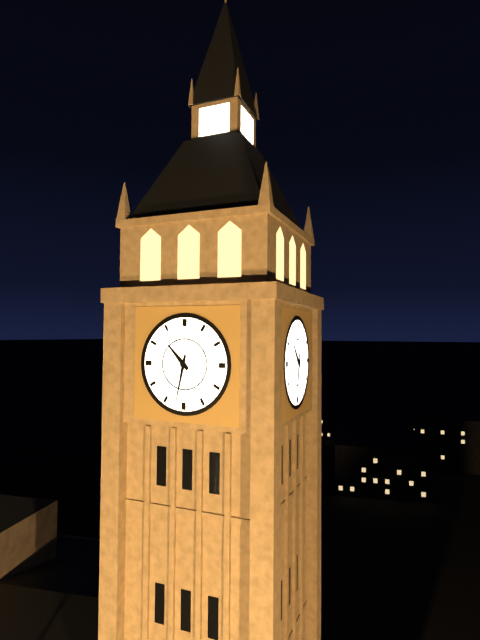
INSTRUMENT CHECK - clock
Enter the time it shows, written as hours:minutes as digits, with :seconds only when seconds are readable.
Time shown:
10:32
